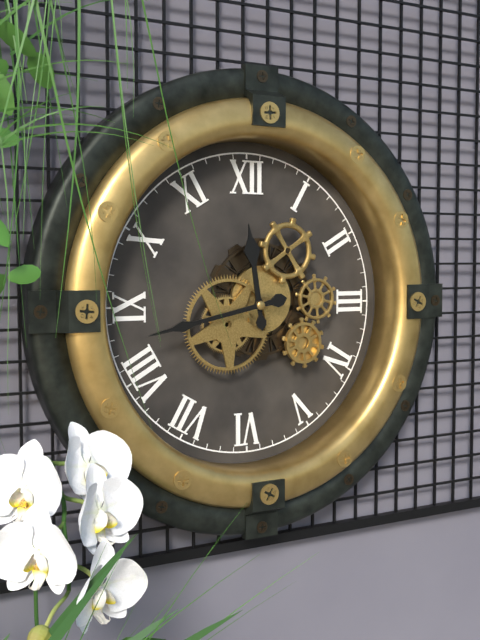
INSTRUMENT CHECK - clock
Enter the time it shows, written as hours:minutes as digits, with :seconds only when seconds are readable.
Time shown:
11:43
